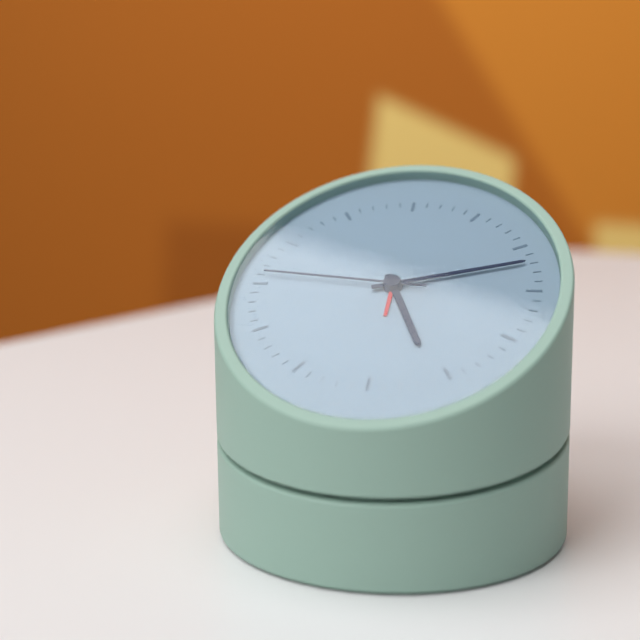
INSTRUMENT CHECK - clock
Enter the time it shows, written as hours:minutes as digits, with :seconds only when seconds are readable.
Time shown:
5:12:46
